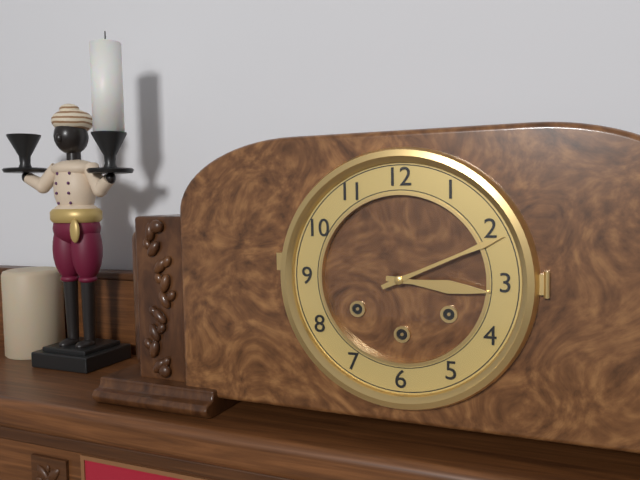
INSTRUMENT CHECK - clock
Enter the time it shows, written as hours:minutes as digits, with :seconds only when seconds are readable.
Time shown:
3:11
